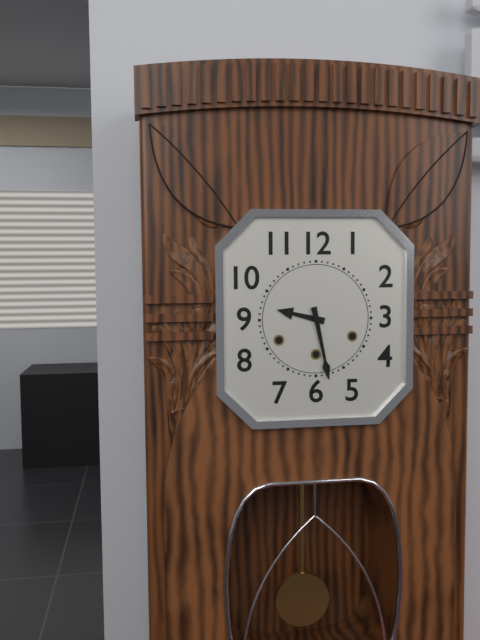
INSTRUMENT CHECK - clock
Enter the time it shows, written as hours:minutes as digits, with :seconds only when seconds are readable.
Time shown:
9:28
